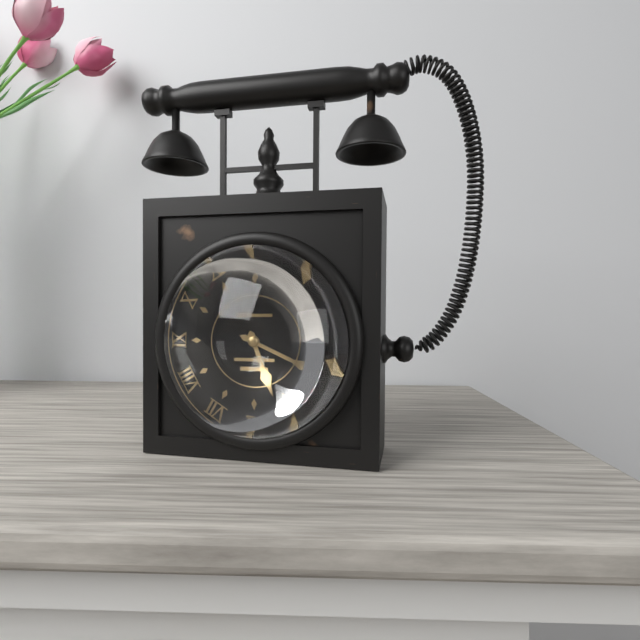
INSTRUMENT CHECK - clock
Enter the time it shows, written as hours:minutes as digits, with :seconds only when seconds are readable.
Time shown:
5:19
